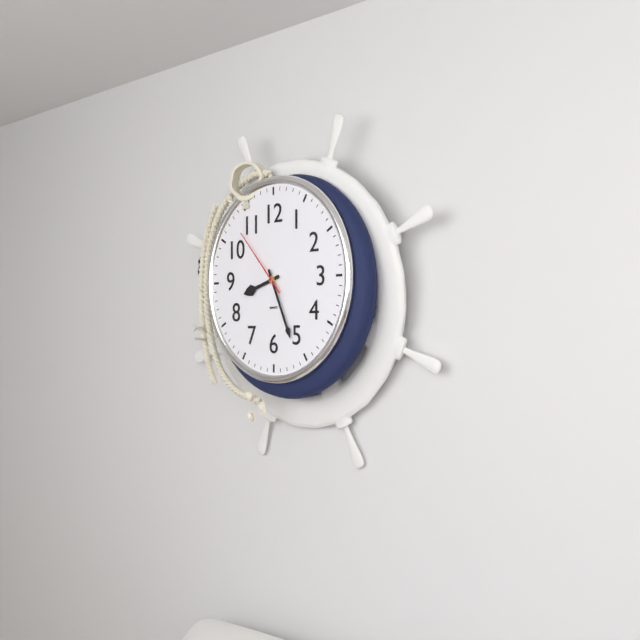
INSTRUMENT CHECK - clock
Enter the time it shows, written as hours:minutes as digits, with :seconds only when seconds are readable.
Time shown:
8:26:53
